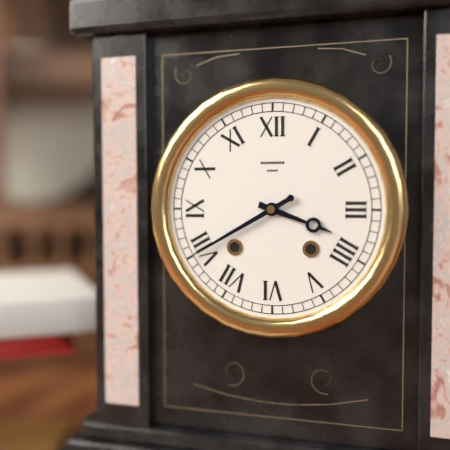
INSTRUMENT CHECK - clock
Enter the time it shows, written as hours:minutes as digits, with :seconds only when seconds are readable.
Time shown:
3:40
